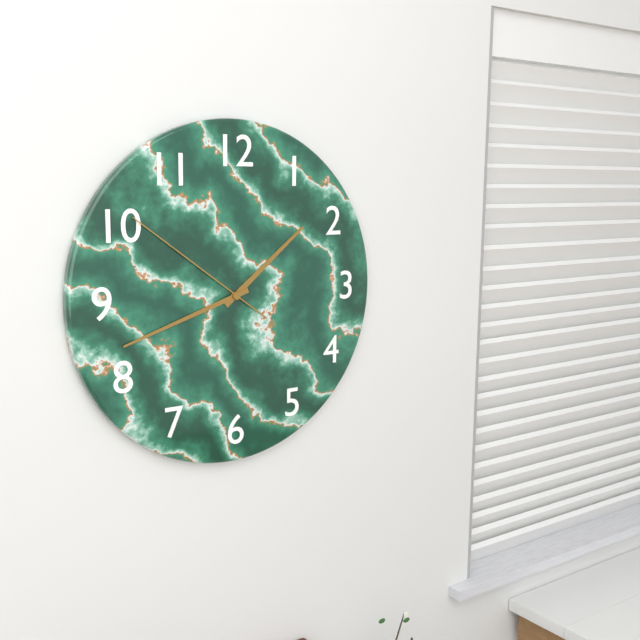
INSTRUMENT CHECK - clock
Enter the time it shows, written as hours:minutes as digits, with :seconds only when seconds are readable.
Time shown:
1:42:51
